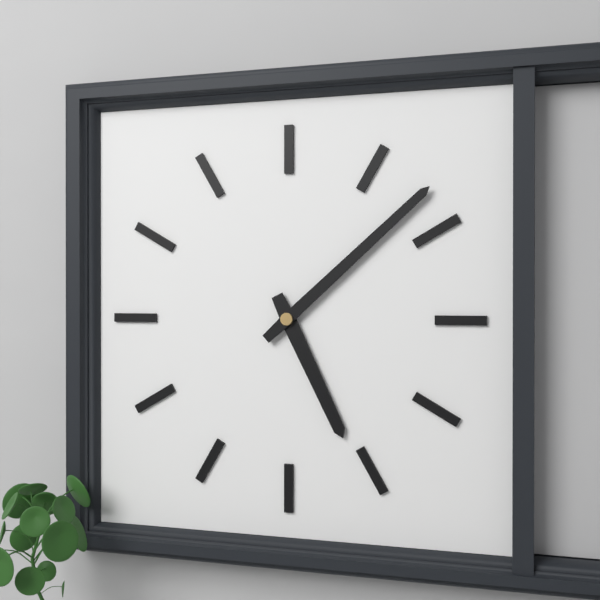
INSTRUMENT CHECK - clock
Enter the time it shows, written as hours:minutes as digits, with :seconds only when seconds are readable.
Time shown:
5:08
